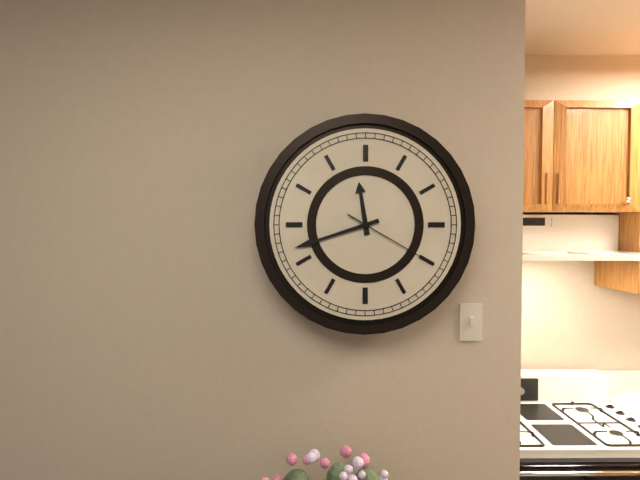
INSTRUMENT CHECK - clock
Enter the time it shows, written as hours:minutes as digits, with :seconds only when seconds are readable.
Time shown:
11:42:20
